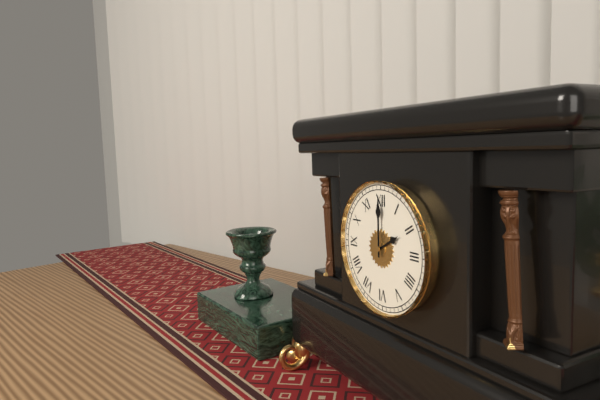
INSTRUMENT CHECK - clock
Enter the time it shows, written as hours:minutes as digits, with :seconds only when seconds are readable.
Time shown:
2:00
